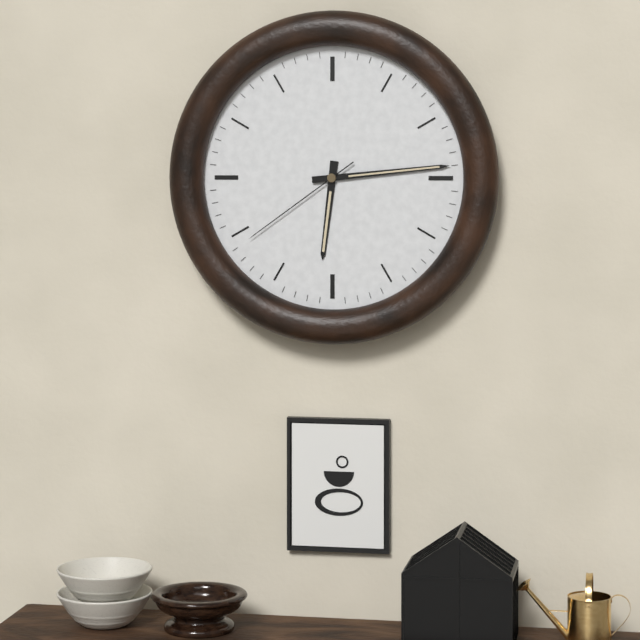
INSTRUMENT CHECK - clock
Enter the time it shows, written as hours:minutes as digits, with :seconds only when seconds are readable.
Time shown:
6:14:39
